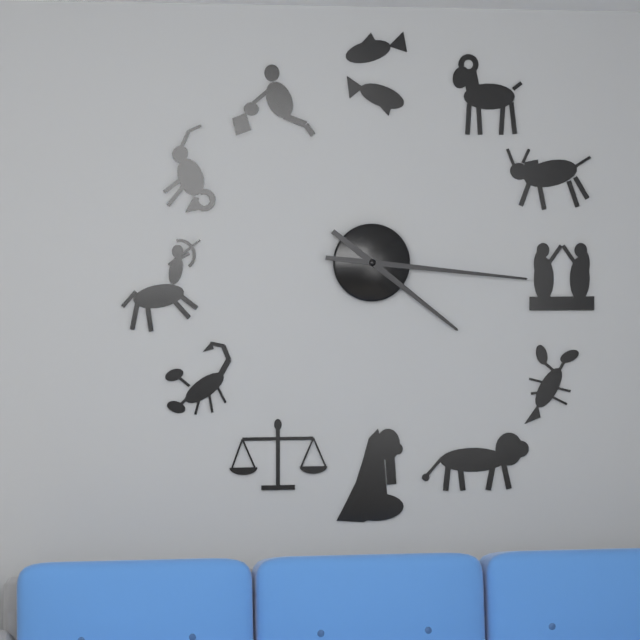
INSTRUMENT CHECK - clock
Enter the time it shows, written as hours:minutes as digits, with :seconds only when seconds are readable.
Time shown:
4:16
